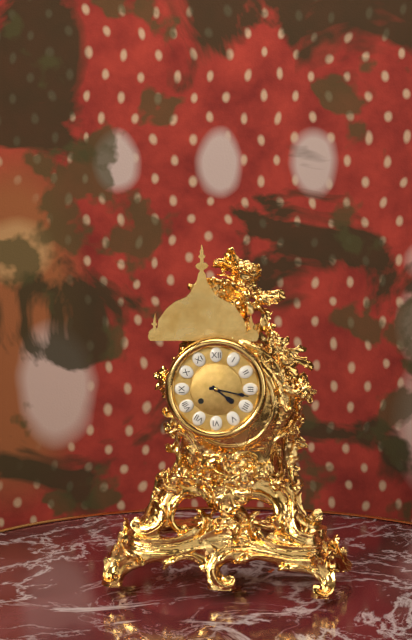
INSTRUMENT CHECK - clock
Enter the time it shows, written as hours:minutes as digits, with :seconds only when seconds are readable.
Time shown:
4:17
